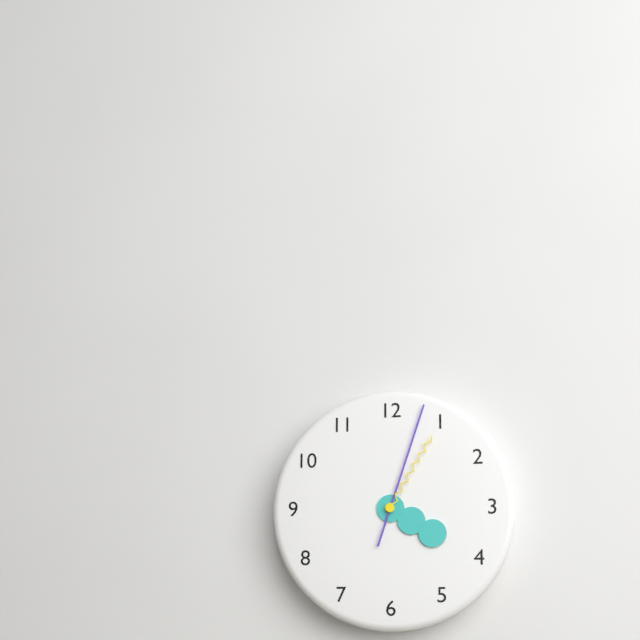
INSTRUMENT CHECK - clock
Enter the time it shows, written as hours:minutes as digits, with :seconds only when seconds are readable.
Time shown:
4:03:05
